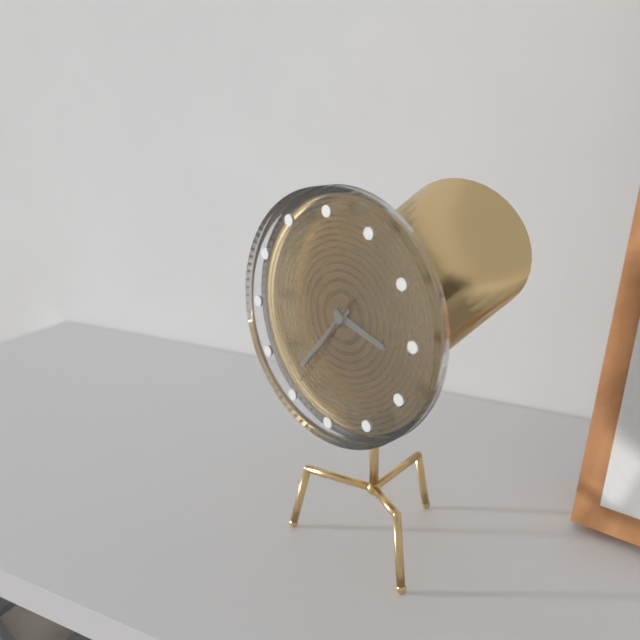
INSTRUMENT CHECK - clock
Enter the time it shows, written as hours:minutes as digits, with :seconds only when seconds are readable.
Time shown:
3:37:36
